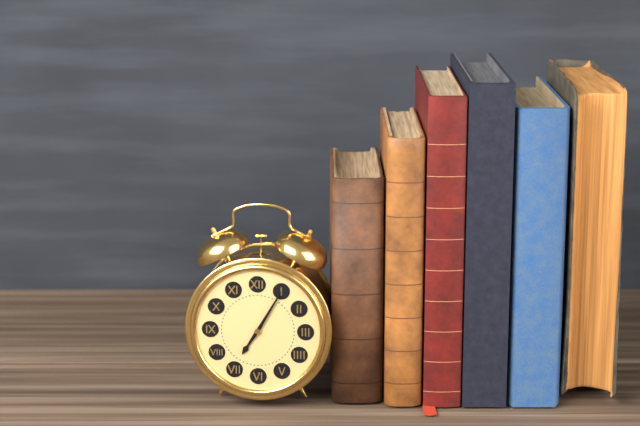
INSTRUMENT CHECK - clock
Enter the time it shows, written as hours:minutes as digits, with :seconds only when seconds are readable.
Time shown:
7:05
